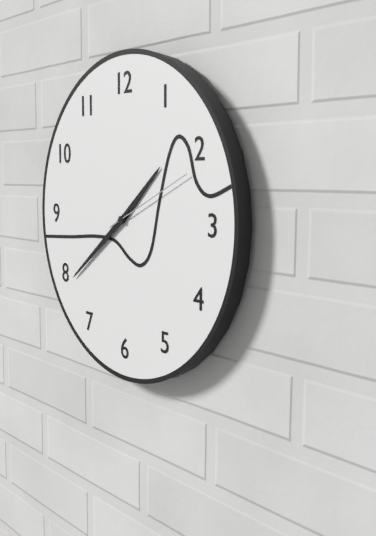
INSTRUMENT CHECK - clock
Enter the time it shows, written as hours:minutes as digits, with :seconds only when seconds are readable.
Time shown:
1:39:11
